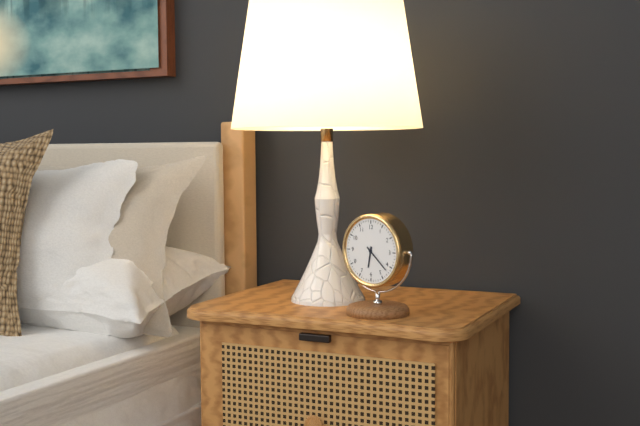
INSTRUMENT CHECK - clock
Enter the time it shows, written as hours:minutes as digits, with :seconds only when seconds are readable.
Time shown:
6:22
